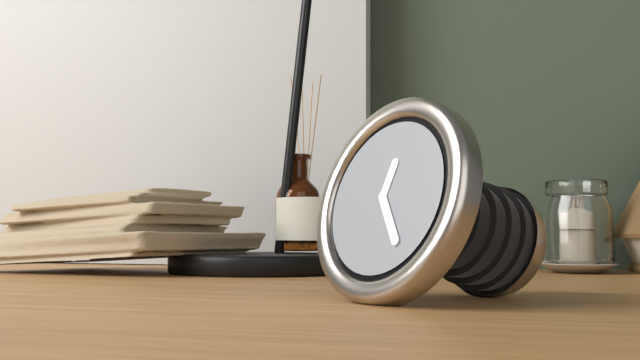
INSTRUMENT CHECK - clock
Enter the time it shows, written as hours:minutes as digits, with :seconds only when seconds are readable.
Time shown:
12:24
